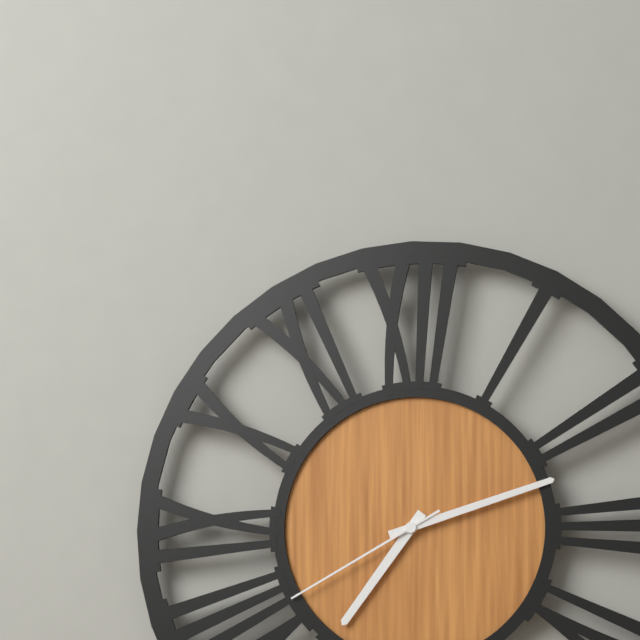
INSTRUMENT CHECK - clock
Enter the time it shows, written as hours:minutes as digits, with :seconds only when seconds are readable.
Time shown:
7:12:40
